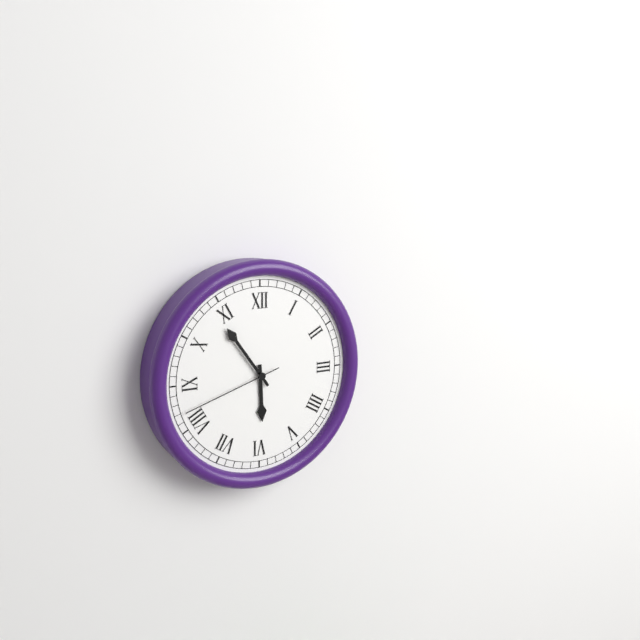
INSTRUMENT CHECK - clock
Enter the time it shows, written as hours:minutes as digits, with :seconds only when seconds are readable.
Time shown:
5:54:42
